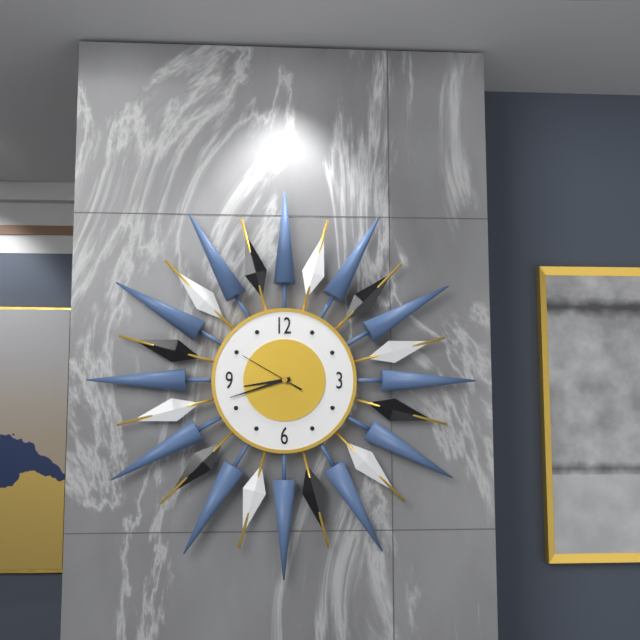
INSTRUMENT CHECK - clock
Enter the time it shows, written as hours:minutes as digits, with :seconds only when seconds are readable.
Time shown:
8:42:50
